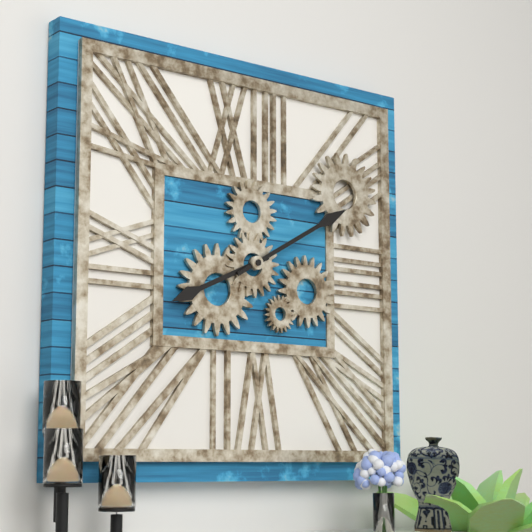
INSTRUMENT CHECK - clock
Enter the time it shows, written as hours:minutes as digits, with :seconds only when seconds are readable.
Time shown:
8:10
